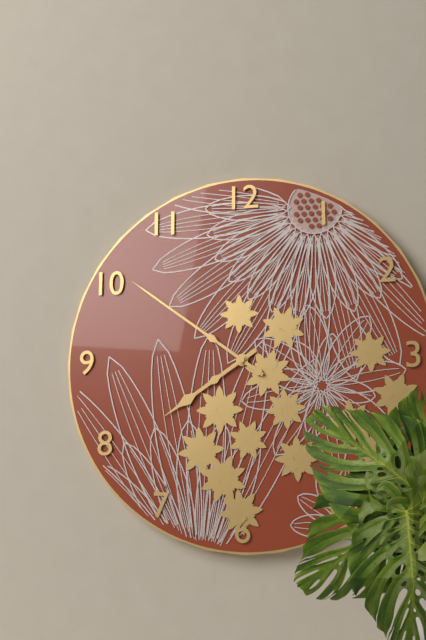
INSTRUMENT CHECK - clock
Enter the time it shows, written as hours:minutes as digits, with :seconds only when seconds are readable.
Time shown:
7:51
